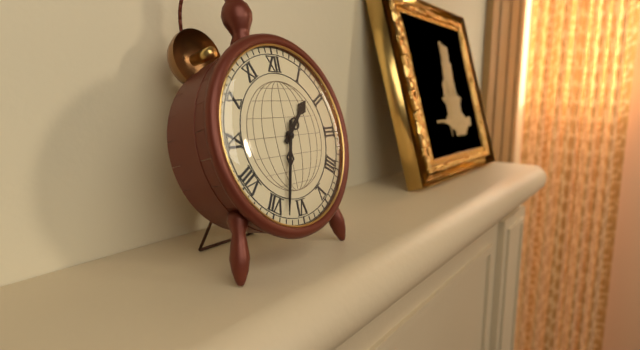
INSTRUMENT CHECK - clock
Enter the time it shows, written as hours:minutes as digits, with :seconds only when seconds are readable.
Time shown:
1:33
